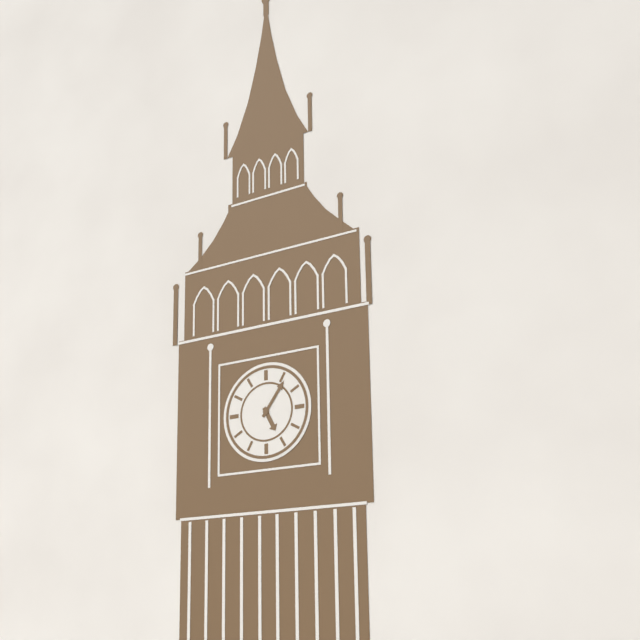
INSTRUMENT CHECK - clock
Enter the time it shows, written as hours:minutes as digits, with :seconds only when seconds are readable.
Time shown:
5:06
